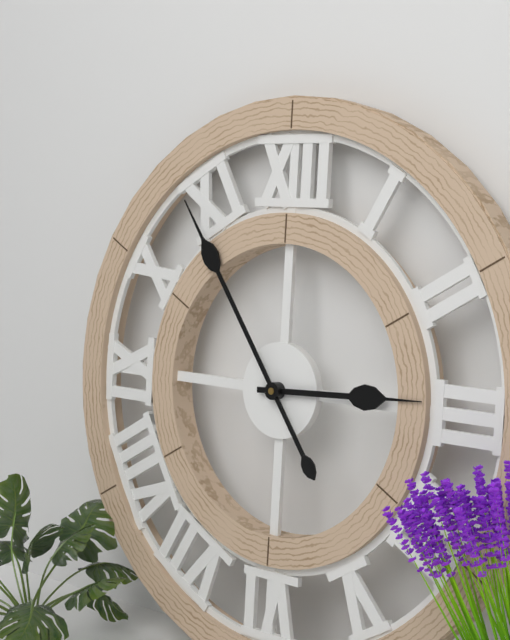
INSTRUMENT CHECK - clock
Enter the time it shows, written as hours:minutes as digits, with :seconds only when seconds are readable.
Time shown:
2:54
